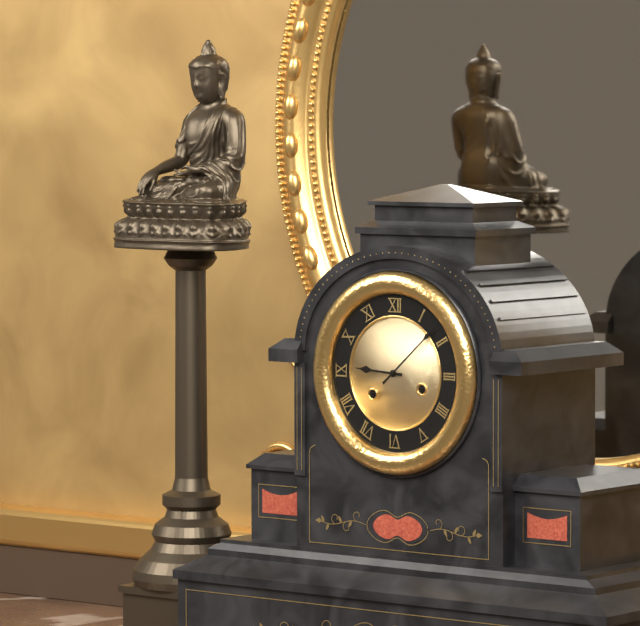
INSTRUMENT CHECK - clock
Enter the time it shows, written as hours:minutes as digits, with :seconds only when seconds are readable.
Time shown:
9:08
